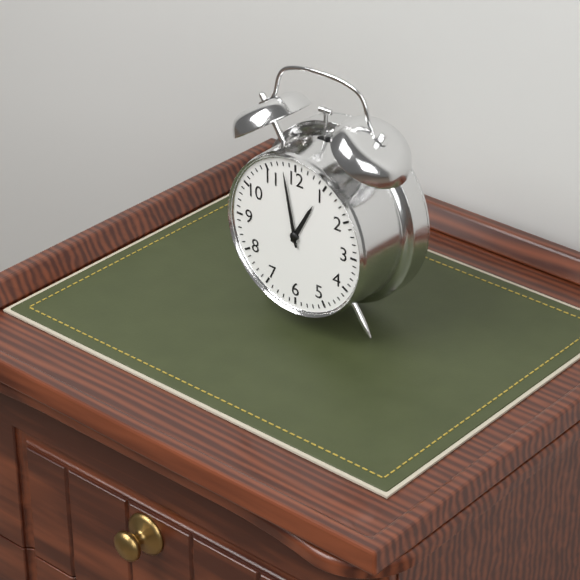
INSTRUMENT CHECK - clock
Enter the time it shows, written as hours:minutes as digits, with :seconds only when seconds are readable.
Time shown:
12:58
